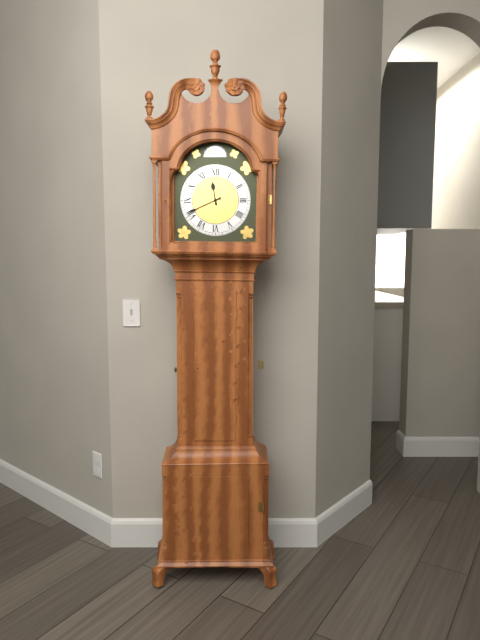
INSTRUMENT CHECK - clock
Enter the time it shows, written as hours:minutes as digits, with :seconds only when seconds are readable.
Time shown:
11:41
